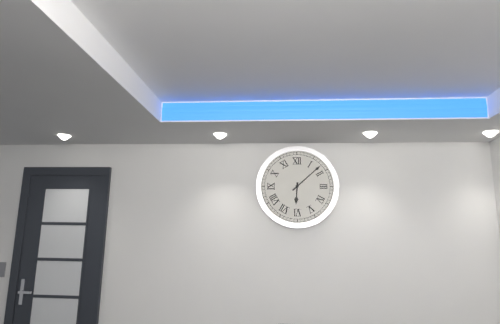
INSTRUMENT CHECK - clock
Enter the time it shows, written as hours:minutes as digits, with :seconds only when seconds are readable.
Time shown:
6:08
